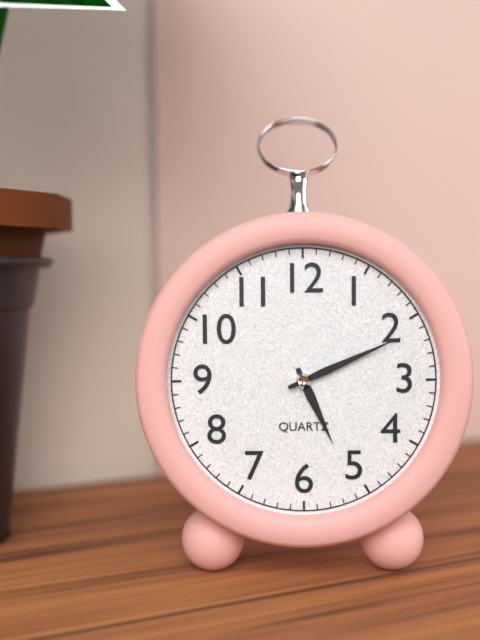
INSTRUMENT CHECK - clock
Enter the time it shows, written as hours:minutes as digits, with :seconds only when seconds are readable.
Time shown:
5:11
